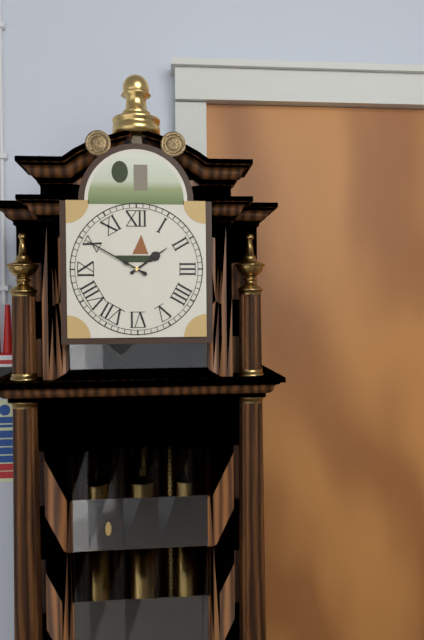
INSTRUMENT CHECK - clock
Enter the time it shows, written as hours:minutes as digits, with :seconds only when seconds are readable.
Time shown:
1:50
